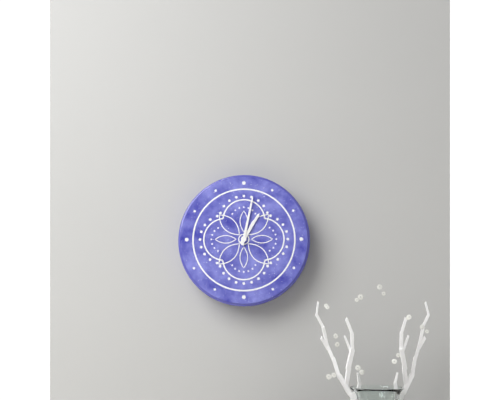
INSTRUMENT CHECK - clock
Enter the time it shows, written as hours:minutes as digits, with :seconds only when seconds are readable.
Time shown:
1:02
